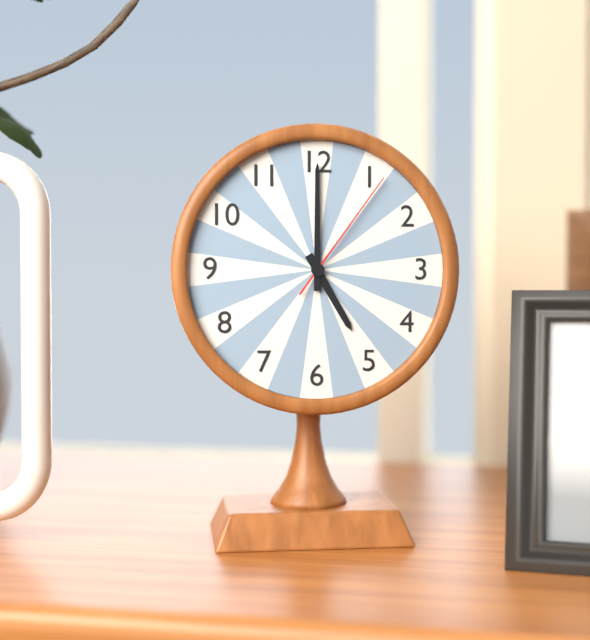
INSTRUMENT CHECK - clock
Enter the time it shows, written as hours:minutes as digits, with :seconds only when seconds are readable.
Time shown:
5:00:06
